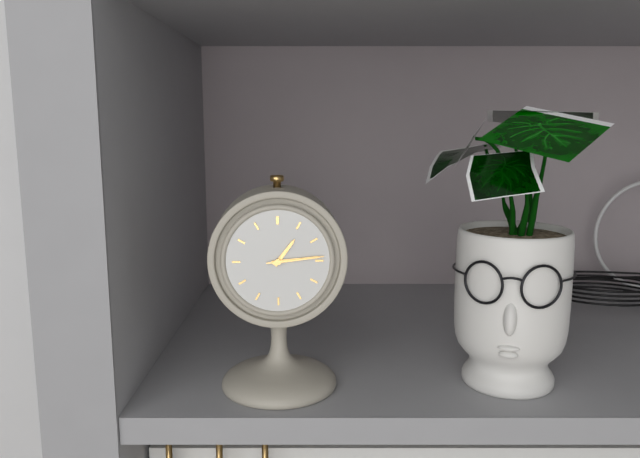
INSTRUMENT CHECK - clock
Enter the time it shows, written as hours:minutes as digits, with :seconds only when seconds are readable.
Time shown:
1:14:14
